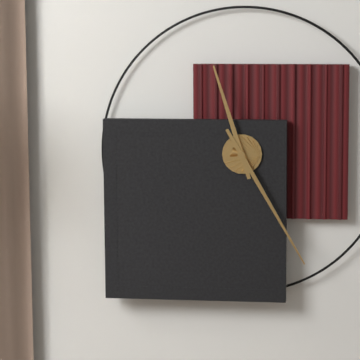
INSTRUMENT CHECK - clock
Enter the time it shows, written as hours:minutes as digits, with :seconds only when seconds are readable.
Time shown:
11:25
